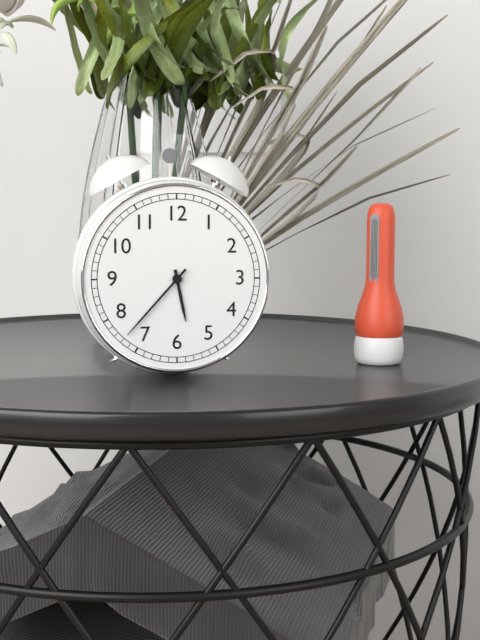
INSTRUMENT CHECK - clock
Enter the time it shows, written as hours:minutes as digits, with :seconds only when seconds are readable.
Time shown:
5:37
